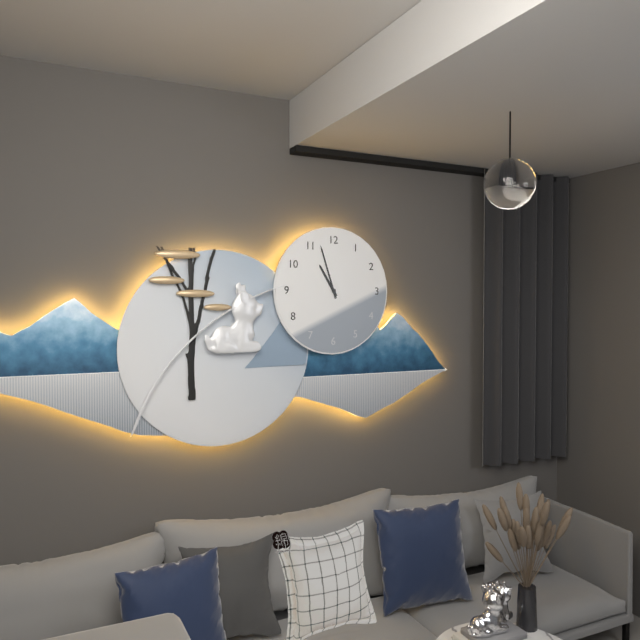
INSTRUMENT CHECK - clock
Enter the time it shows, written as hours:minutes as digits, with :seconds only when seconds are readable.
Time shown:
10:57
